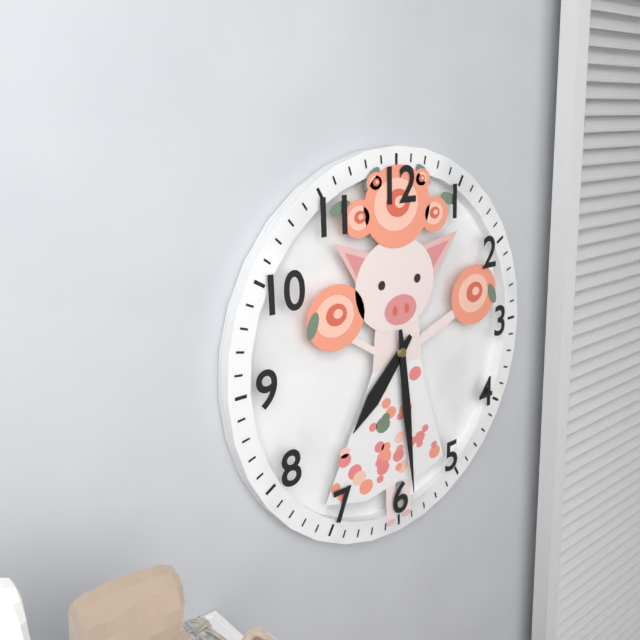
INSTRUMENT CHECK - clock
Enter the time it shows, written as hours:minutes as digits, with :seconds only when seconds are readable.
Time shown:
7:29
